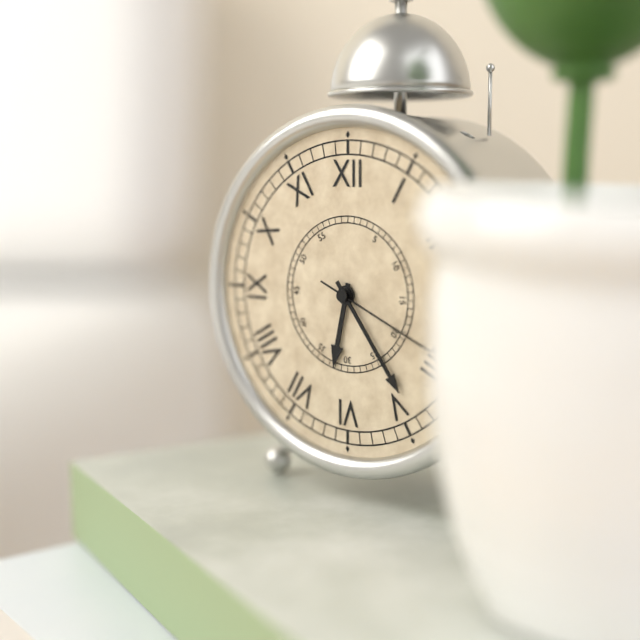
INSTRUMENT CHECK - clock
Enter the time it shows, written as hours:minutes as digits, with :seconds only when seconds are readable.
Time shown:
6:24:19
